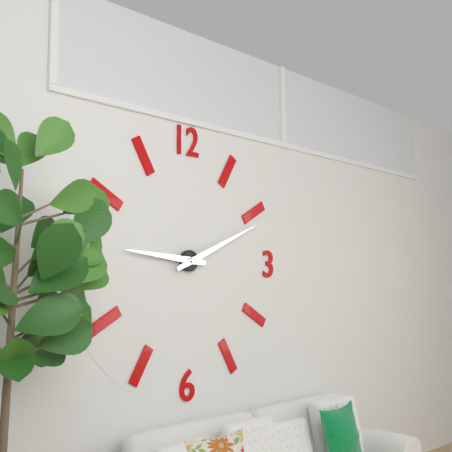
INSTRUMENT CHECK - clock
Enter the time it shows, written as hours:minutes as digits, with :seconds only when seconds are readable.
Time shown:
9:11
